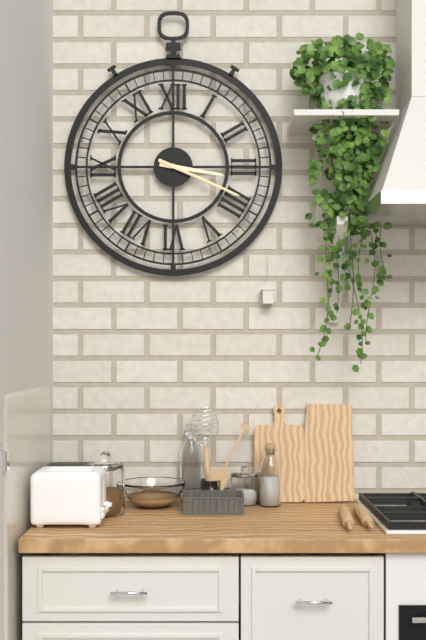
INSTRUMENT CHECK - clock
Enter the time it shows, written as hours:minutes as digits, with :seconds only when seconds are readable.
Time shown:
3:19:19
